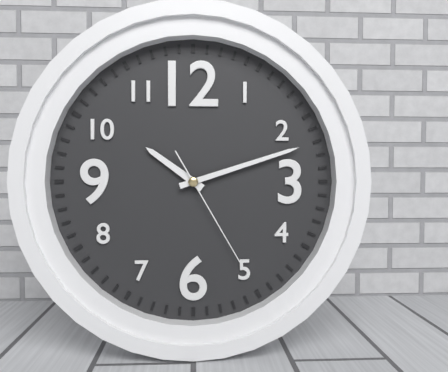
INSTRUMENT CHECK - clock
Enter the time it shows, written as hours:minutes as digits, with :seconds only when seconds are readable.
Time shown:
10:12:25
